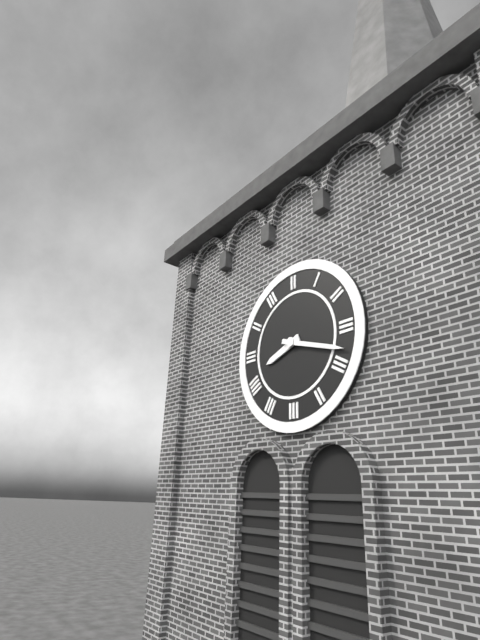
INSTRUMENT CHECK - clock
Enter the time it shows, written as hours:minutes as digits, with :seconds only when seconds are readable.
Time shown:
8:18
